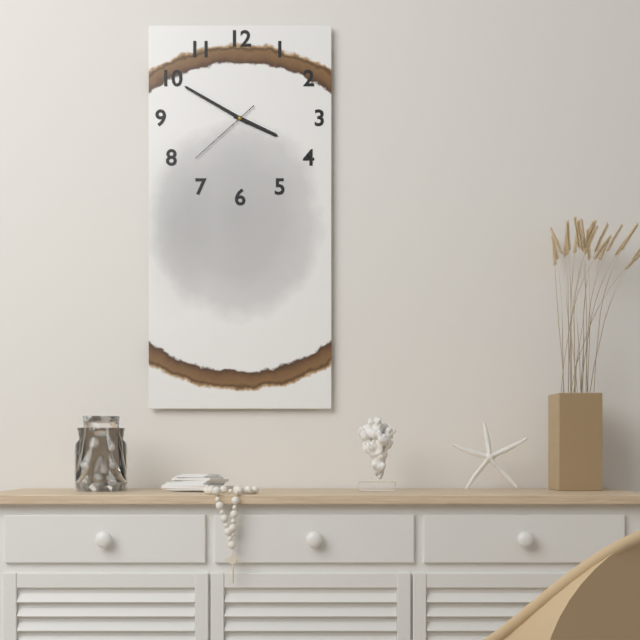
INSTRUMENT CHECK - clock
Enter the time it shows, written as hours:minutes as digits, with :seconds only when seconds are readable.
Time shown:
3:50:38
